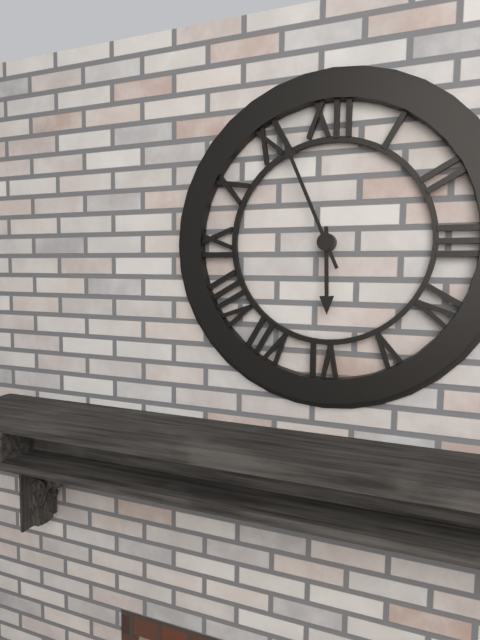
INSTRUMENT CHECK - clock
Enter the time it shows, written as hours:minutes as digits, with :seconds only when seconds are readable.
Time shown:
5:56
